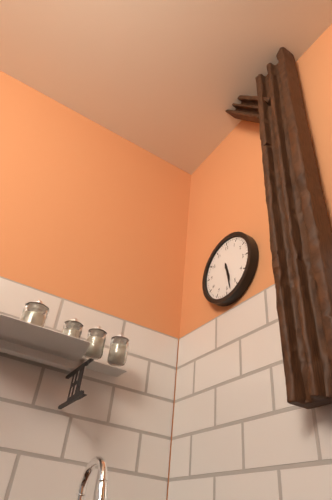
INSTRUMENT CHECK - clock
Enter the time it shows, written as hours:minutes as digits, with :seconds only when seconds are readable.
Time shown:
5:28
